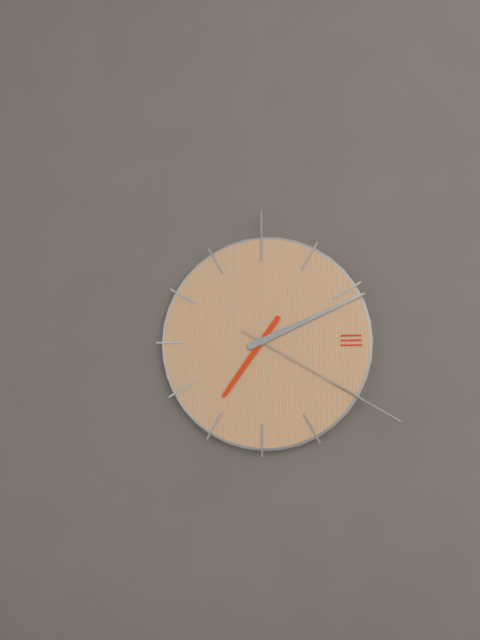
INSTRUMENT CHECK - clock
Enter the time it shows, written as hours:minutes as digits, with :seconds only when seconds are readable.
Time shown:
7:11:20
